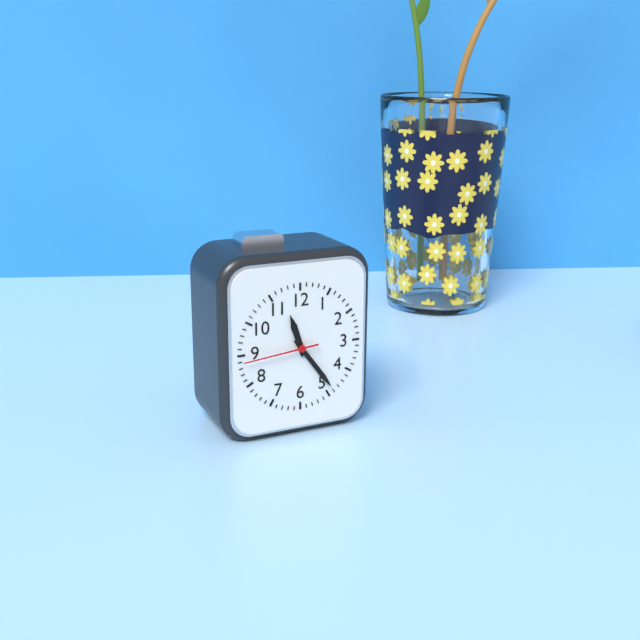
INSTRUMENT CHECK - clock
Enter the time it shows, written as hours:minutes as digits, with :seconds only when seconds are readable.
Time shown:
11:24:44
